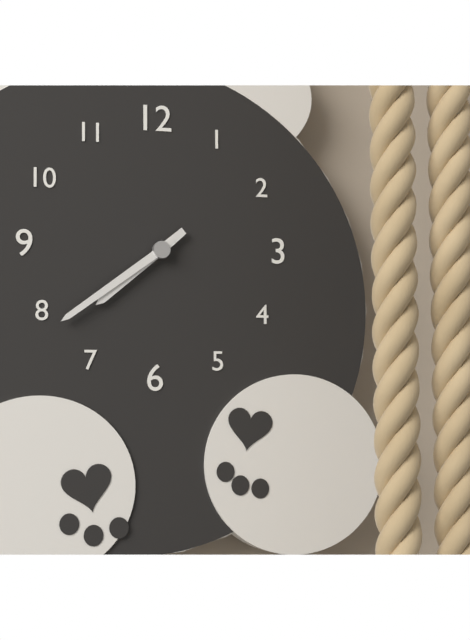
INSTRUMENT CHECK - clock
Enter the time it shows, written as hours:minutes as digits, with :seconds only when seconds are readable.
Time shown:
7:39
